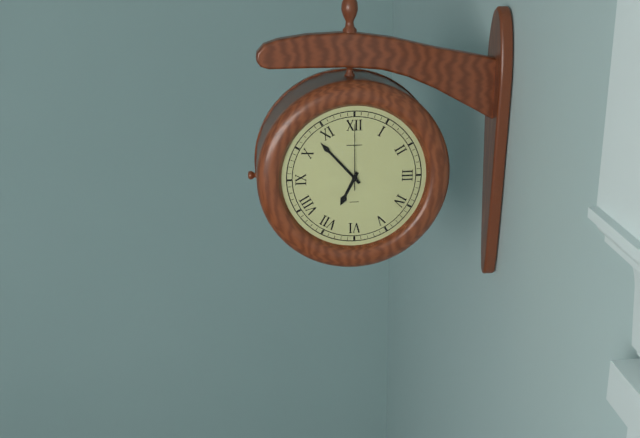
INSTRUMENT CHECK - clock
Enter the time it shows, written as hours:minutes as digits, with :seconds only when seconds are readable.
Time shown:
6:53:00
